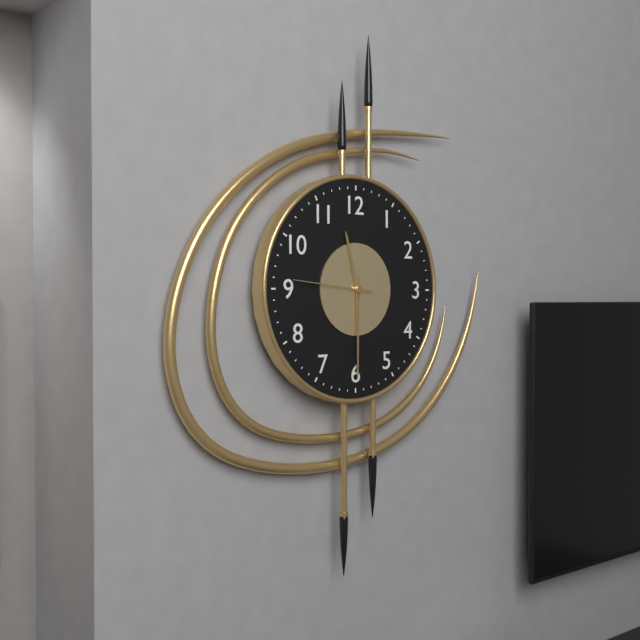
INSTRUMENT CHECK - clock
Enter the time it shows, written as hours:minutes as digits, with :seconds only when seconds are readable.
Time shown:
11:30:46
